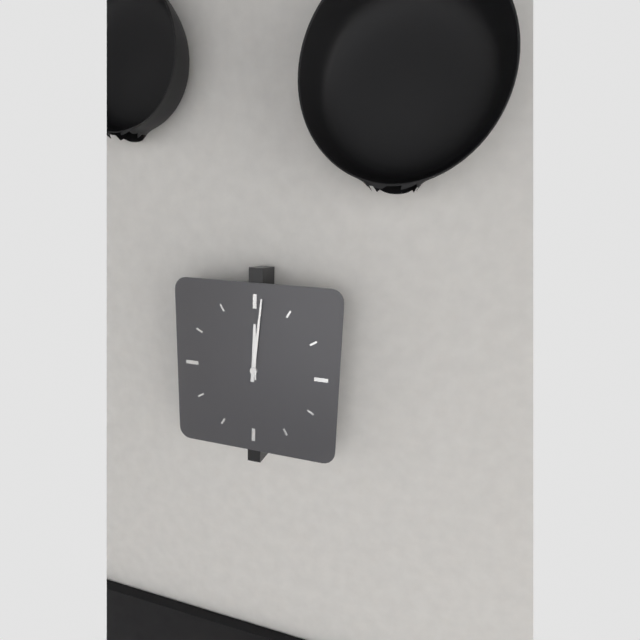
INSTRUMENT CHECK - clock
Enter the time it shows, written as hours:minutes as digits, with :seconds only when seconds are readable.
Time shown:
12:01
